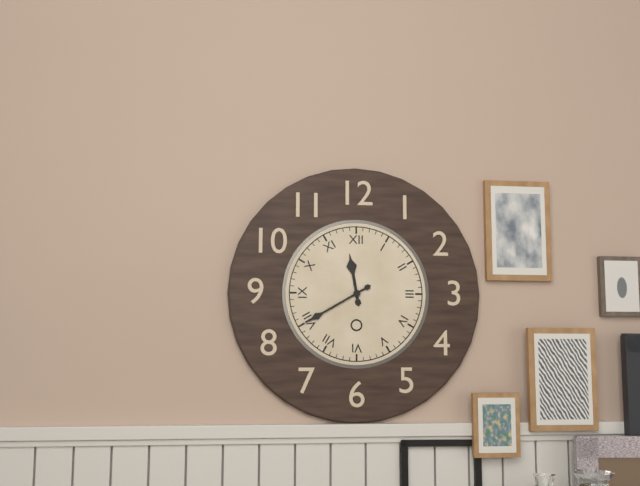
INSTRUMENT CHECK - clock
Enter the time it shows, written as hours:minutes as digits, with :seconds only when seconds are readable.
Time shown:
11:40
